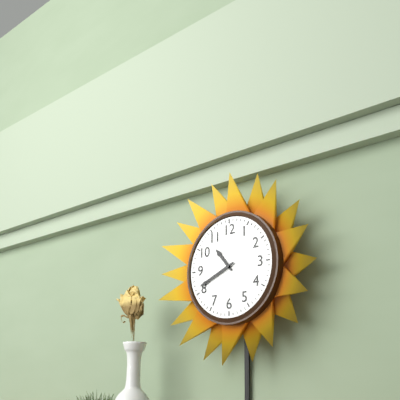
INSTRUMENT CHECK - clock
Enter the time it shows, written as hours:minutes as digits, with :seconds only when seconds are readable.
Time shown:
10:41
